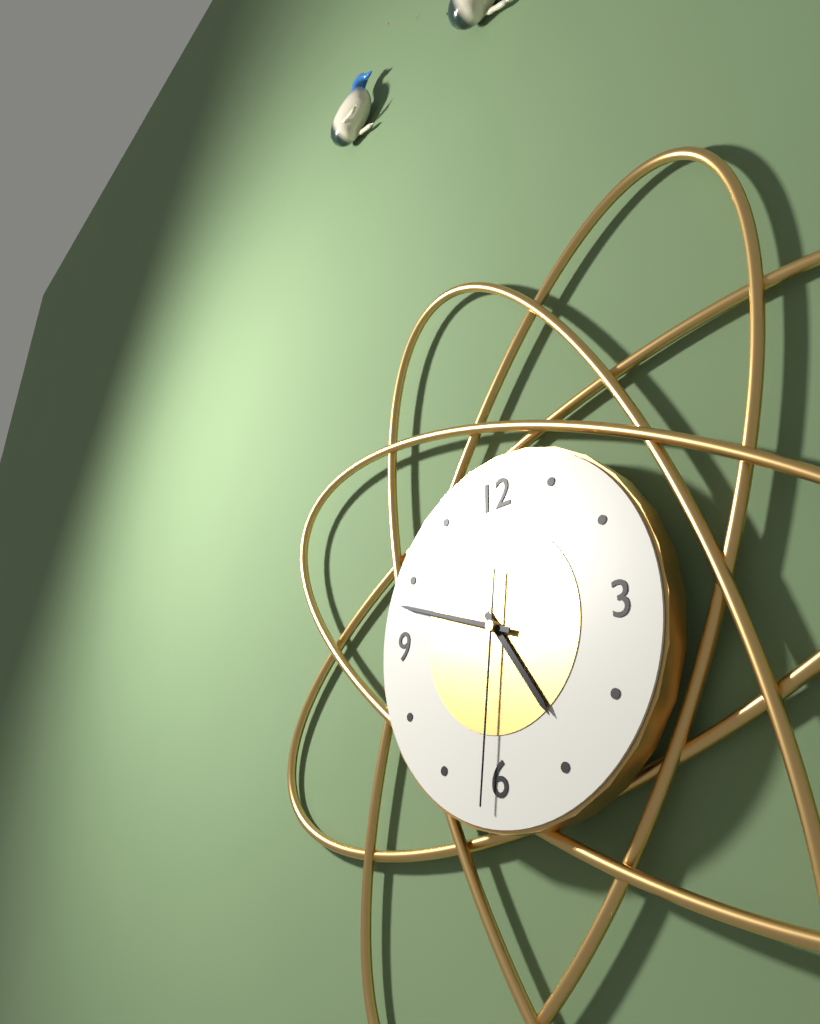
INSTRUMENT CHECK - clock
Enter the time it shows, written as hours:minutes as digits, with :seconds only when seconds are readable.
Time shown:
4:48:31
